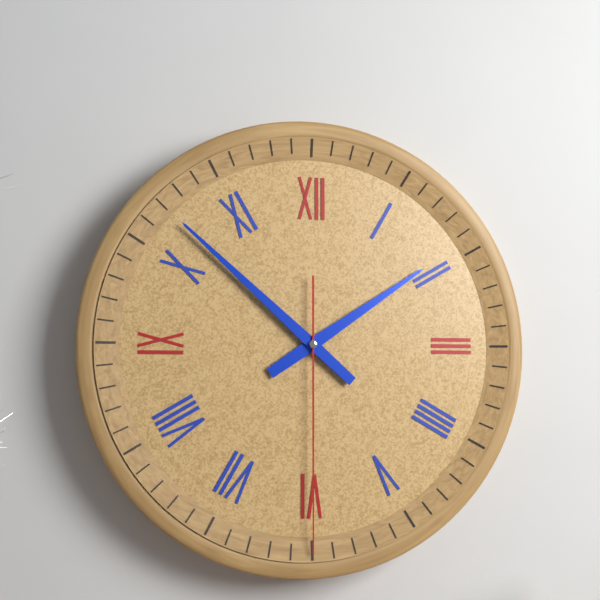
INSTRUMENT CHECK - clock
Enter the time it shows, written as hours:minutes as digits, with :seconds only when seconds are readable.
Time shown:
1:52:30
